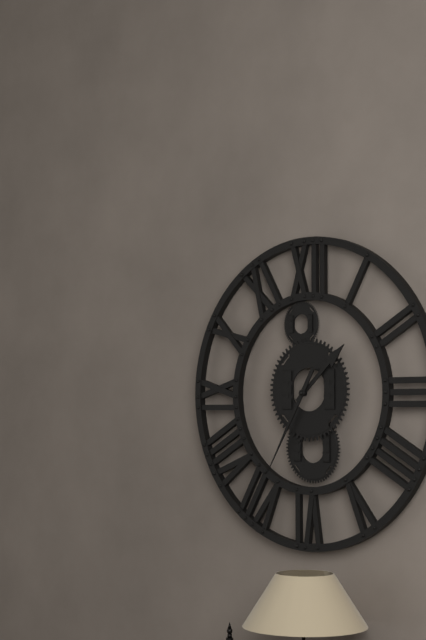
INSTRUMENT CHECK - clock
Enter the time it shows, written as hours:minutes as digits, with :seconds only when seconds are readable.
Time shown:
1:35
